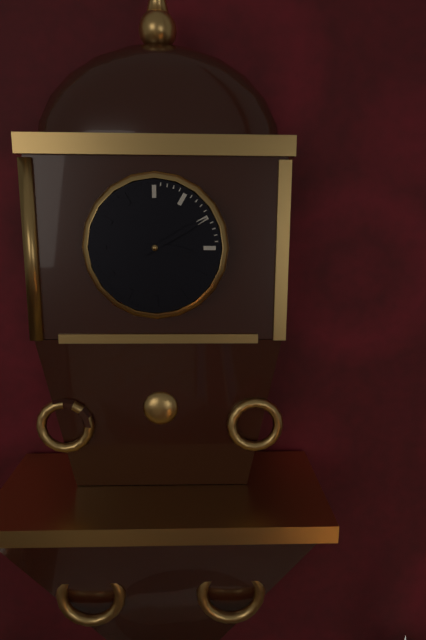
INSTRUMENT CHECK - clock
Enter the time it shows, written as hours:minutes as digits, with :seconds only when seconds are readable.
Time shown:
3:10
